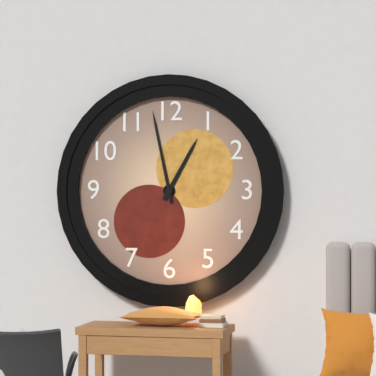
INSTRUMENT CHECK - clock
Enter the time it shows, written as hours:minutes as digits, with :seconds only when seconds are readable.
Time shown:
12:58
